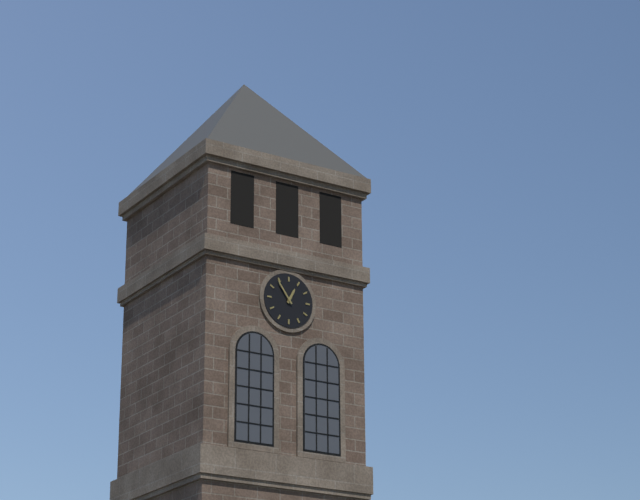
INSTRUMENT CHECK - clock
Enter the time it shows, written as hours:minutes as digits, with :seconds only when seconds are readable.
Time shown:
12:54
